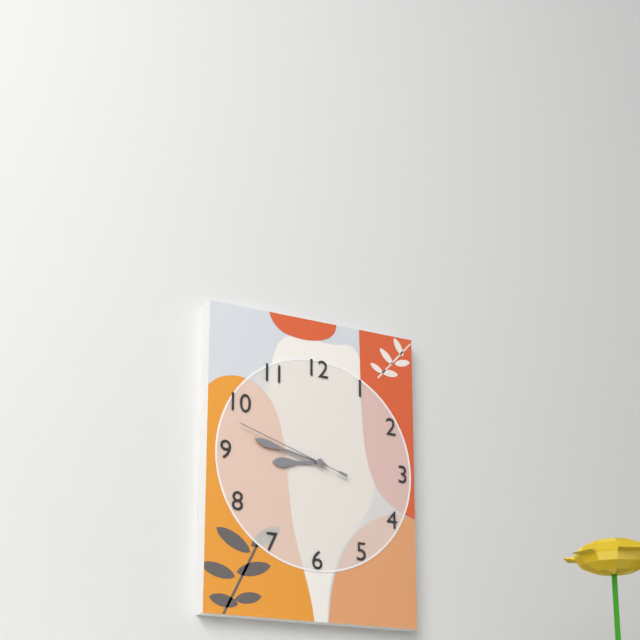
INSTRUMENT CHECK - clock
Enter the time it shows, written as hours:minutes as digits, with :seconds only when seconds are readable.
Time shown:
8:47:48
